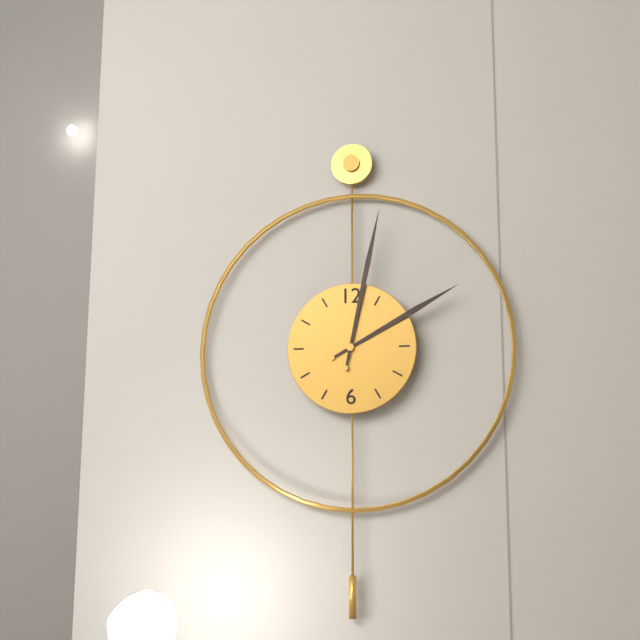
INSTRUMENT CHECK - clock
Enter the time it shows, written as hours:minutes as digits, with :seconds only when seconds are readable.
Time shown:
2:02
